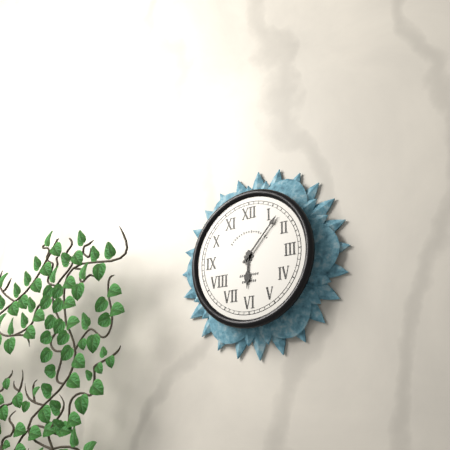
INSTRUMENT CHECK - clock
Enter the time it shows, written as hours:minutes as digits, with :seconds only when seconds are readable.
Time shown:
6:07
